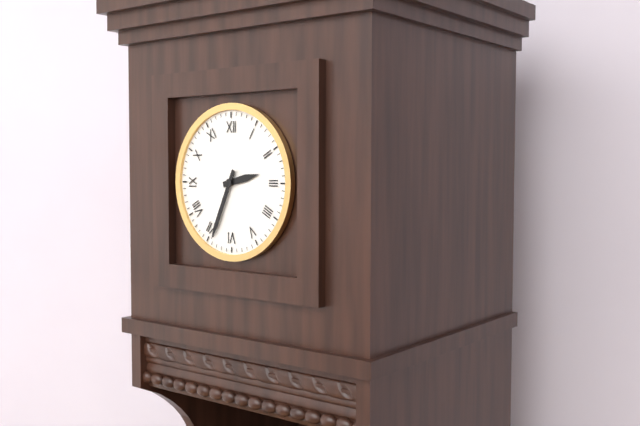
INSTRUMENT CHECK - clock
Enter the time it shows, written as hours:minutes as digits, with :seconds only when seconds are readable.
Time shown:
2:34
